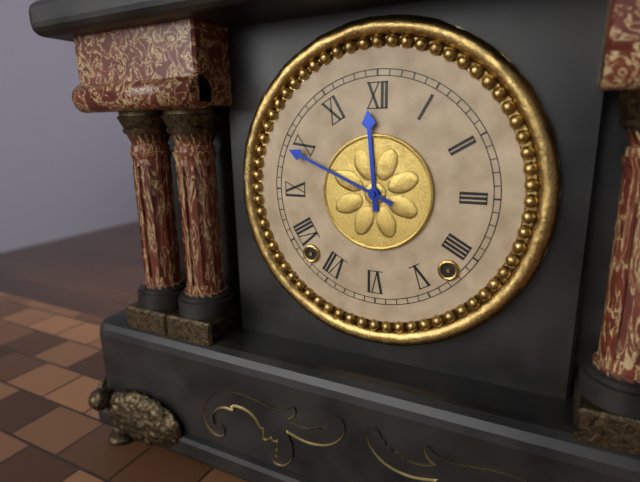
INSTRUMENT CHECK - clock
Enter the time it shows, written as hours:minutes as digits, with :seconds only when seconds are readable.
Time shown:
11:49
